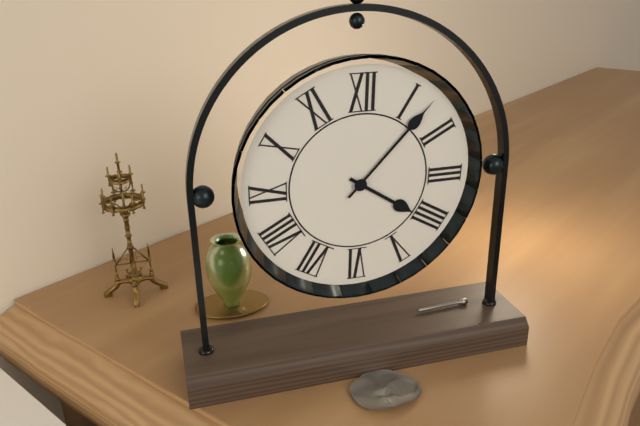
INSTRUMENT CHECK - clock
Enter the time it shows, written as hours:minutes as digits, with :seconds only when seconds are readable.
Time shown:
4:07
